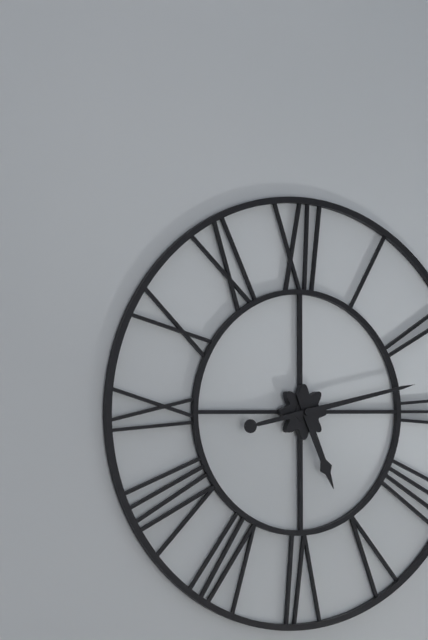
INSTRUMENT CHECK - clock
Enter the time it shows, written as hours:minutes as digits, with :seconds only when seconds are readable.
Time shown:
5:13
